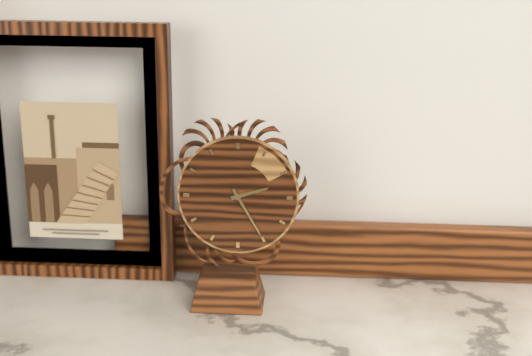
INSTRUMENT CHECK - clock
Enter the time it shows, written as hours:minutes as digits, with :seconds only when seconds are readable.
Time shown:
2:25
